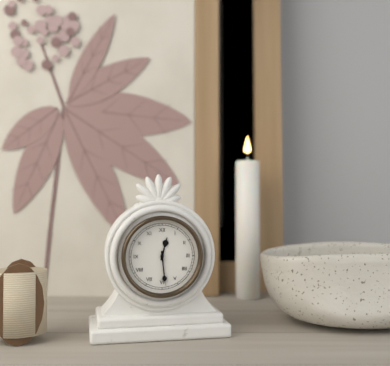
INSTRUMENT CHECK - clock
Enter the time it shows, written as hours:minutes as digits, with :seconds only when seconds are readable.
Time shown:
12:29
